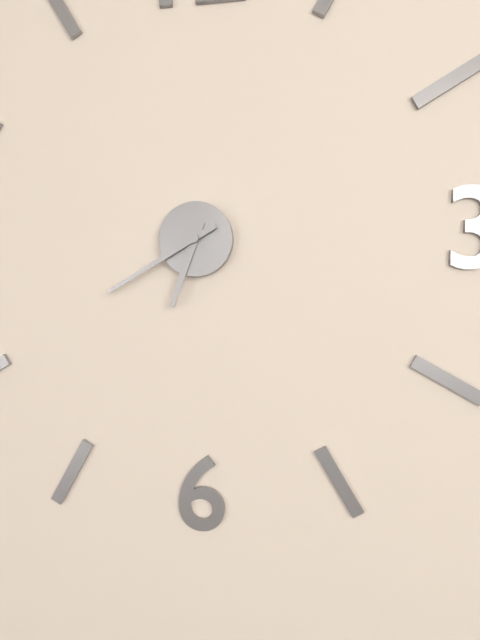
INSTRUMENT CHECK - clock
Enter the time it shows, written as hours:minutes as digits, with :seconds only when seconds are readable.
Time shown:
6:40
